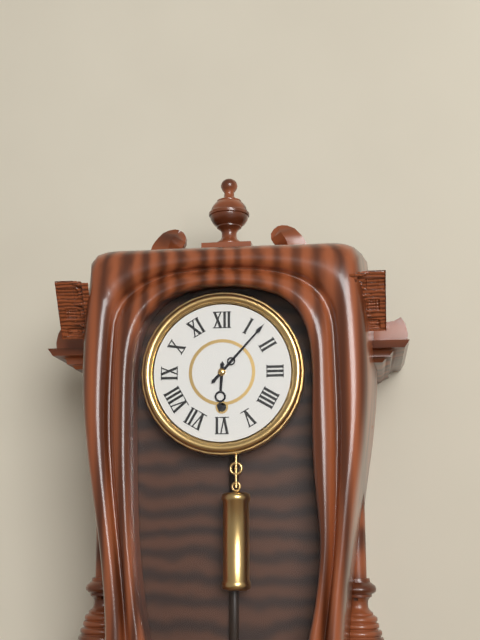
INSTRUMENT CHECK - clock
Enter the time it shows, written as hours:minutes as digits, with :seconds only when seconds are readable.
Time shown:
6:07
